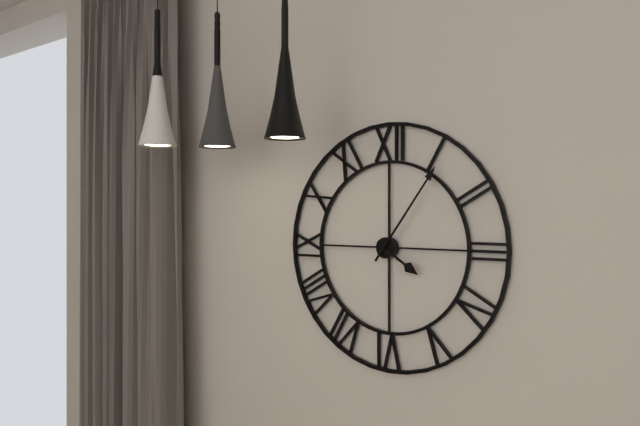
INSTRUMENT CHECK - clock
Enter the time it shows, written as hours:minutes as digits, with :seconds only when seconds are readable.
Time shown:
4:06
